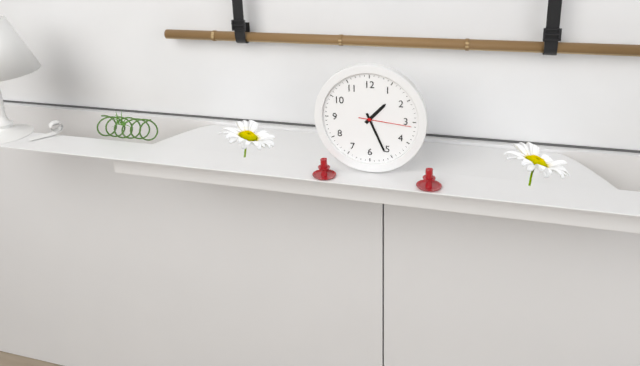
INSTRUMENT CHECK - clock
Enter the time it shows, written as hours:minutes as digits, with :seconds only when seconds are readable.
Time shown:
1:26:16
